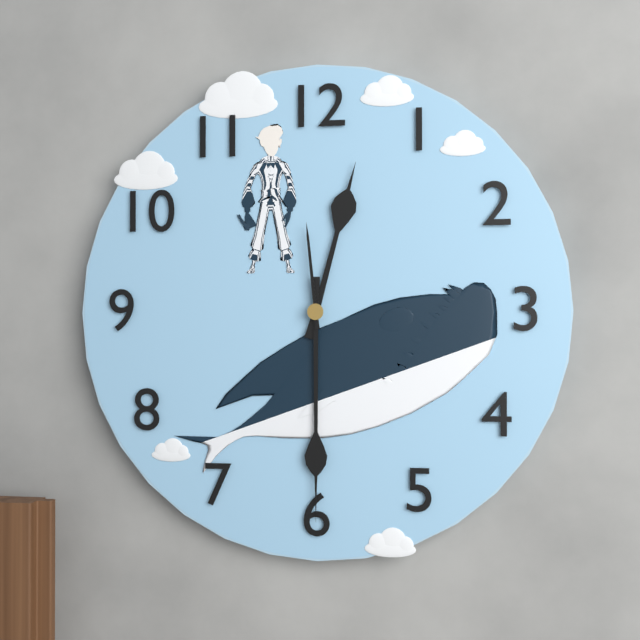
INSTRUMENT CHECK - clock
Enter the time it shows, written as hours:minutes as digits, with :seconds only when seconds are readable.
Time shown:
12:30:59
